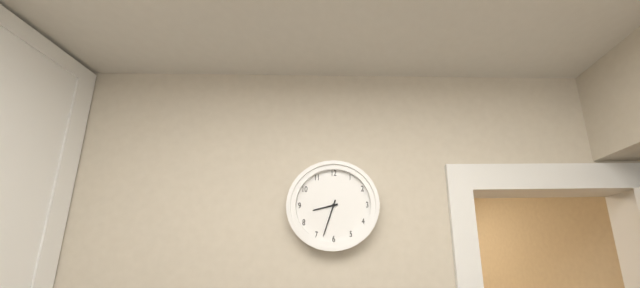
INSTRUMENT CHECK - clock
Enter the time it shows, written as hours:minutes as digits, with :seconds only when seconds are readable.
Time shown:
8:33
